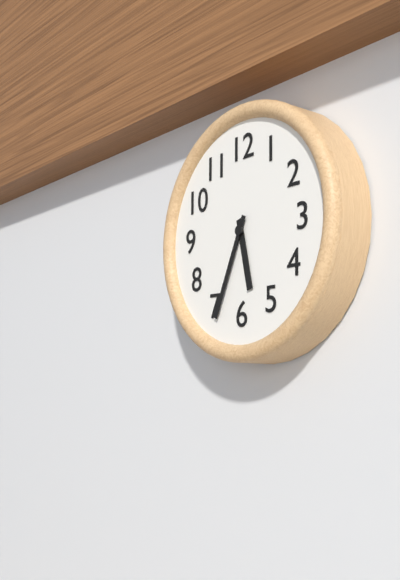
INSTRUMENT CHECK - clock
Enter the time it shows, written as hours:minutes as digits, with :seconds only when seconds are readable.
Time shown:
5:34
